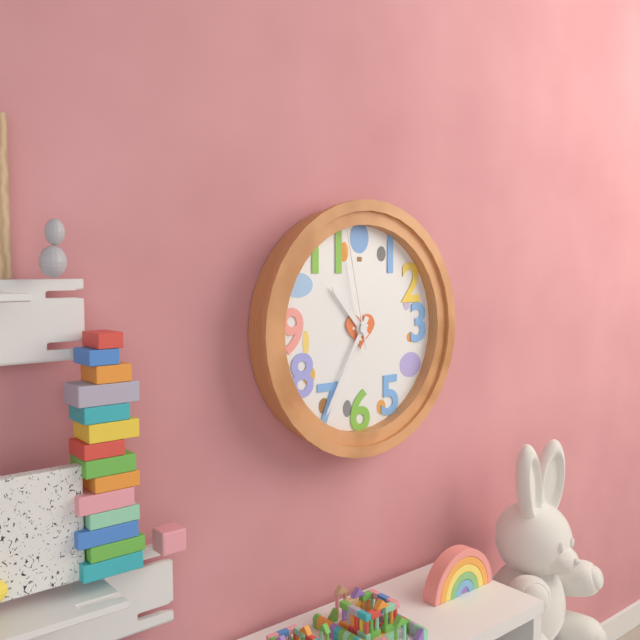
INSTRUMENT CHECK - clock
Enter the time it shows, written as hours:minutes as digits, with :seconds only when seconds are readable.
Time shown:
10:35:58
